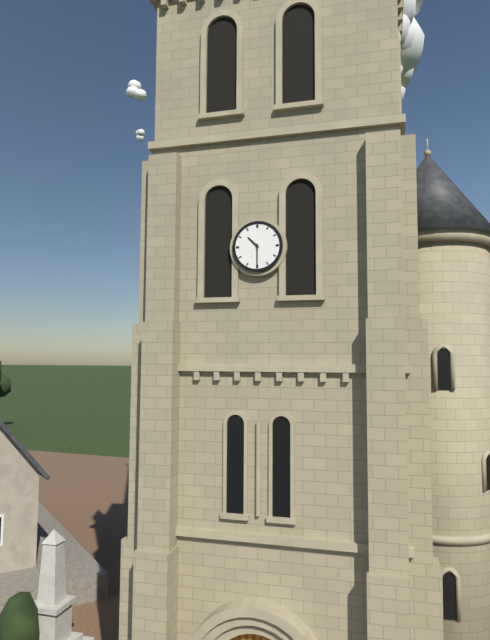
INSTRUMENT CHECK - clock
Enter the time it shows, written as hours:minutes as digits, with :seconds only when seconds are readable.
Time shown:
10:30
